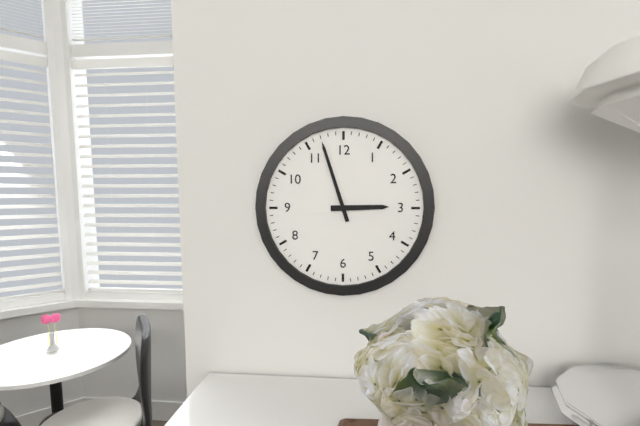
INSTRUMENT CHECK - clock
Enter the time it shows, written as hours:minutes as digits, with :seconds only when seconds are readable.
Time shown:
2:57
